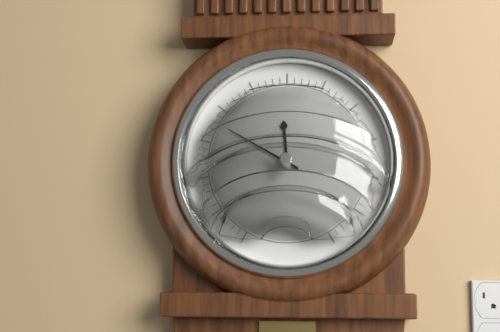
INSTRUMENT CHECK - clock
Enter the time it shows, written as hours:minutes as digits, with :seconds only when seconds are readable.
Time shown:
11:50
